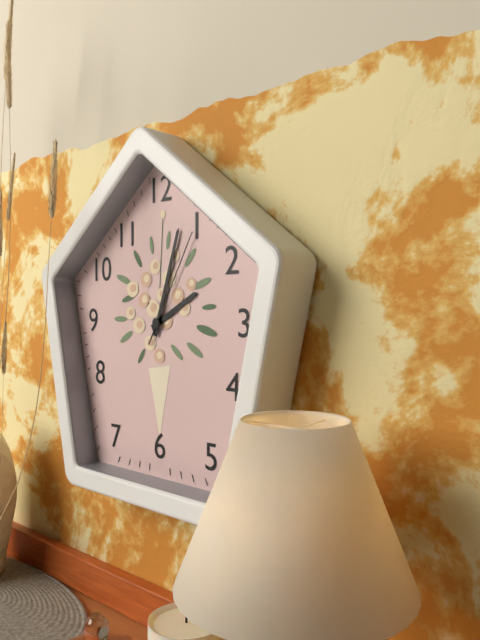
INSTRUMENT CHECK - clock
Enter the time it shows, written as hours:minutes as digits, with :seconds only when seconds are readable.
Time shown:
2:03:05
